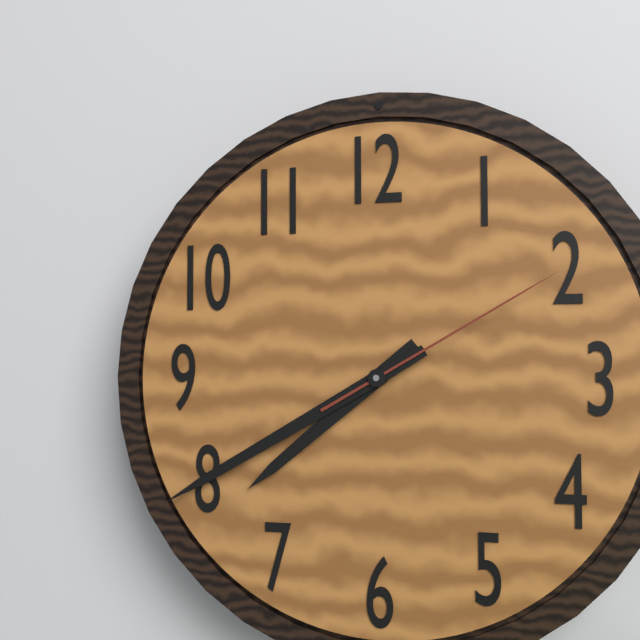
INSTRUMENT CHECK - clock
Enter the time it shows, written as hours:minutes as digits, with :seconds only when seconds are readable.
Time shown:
7:40:10
